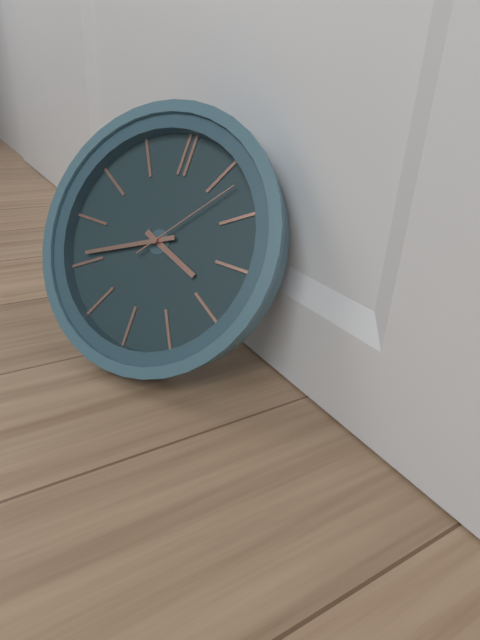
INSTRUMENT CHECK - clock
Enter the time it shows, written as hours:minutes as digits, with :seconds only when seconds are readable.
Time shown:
3:41:07
